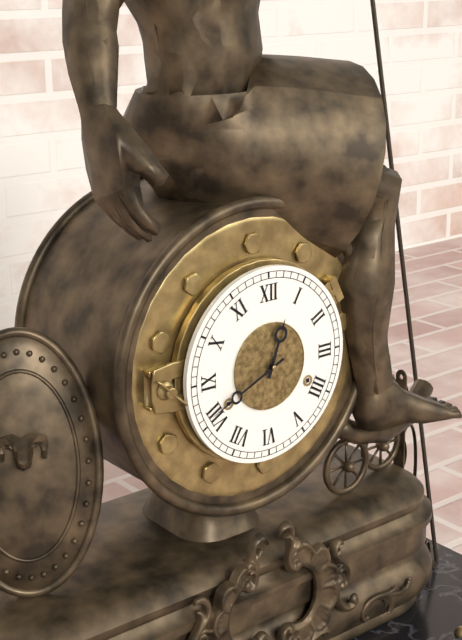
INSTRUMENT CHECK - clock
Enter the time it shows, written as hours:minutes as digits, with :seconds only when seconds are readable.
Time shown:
12:41
